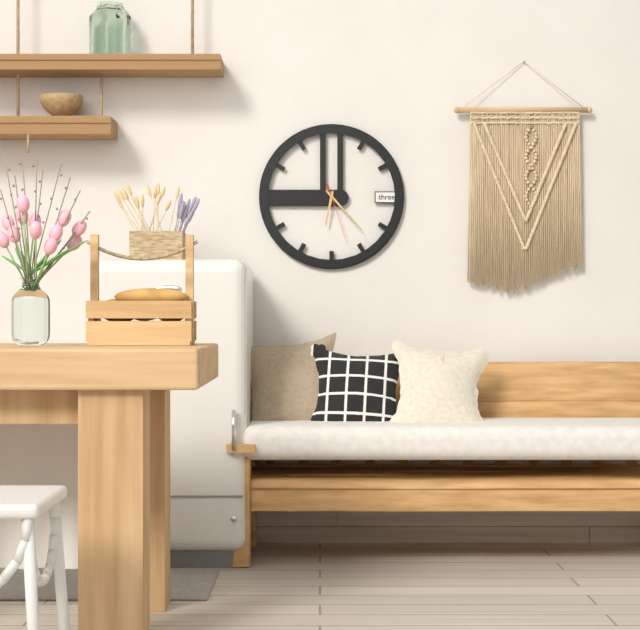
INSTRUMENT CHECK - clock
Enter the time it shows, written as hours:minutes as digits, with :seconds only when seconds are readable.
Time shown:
6:23:27
